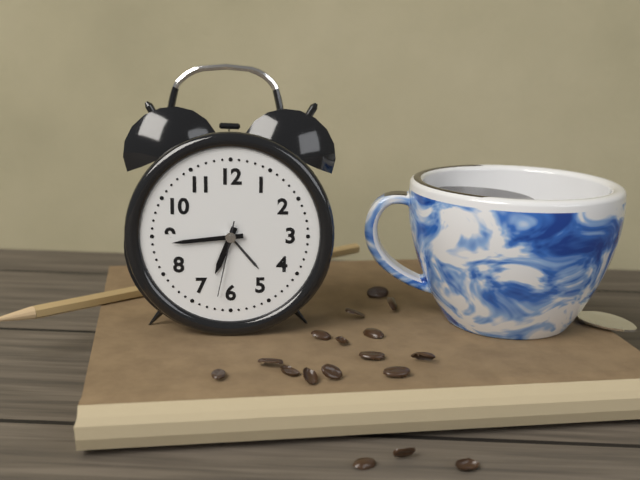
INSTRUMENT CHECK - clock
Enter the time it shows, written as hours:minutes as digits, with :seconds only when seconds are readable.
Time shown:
6:44:32
